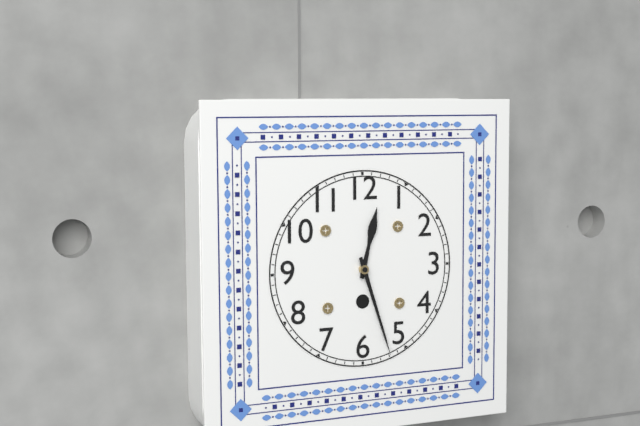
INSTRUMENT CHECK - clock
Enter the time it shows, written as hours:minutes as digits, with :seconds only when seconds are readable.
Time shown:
12:27
